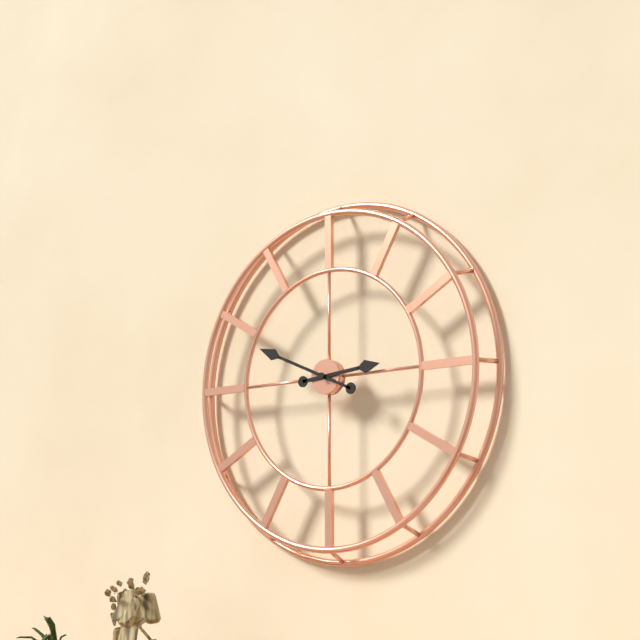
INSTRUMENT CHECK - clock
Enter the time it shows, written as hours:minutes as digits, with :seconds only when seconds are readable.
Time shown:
2:49
